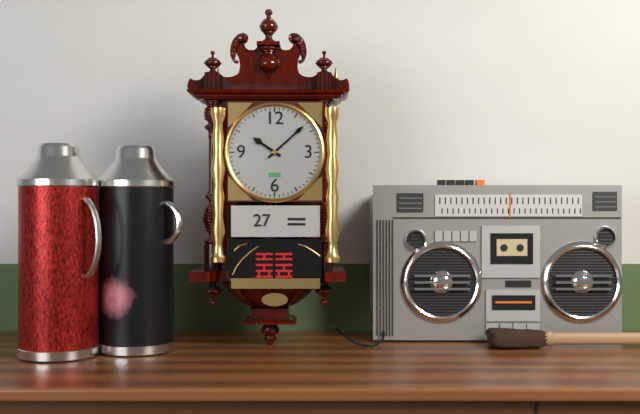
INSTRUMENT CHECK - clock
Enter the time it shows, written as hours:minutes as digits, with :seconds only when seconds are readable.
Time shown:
10:08
